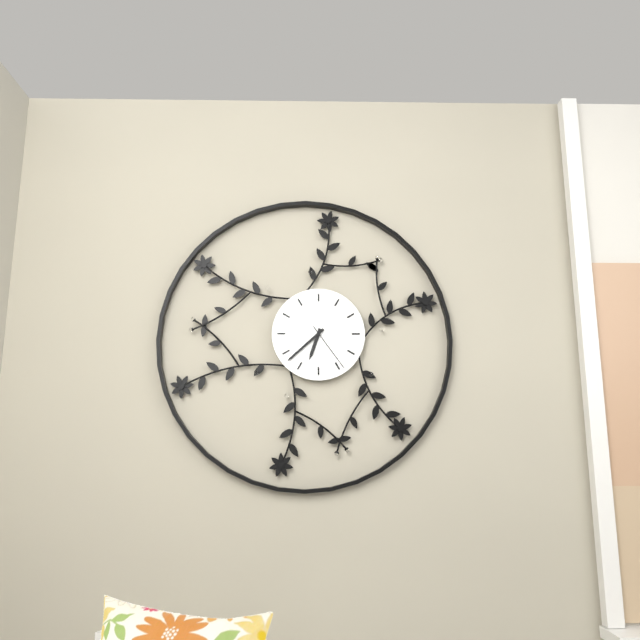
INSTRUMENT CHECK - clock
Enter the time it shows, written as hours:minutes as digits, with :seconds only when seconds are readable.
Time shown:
6:38:24
